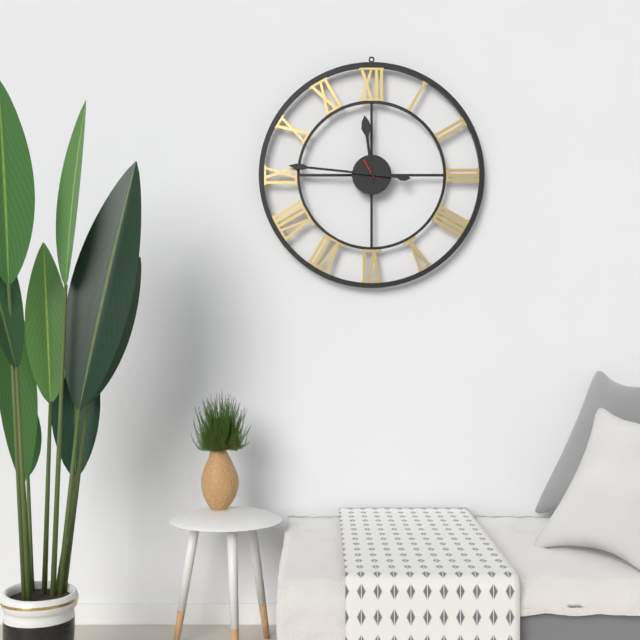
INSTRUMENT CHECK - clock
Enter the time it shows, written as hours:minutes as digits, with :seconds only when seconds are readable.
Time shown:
11:46
